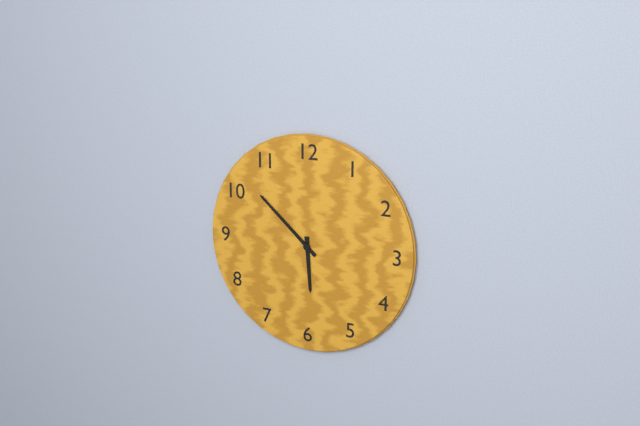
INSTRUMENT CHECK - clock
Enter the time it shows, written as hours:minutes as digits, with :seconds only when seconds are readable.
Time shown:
5:52
